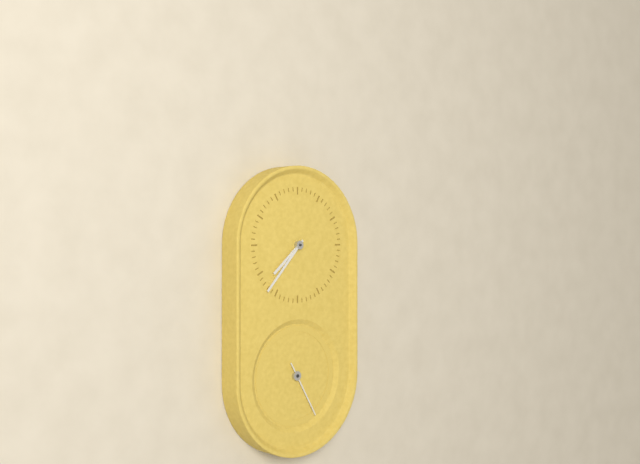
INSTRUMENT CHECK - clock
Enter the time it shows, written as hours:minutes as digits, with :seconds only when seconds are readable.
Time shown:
7:37:25
